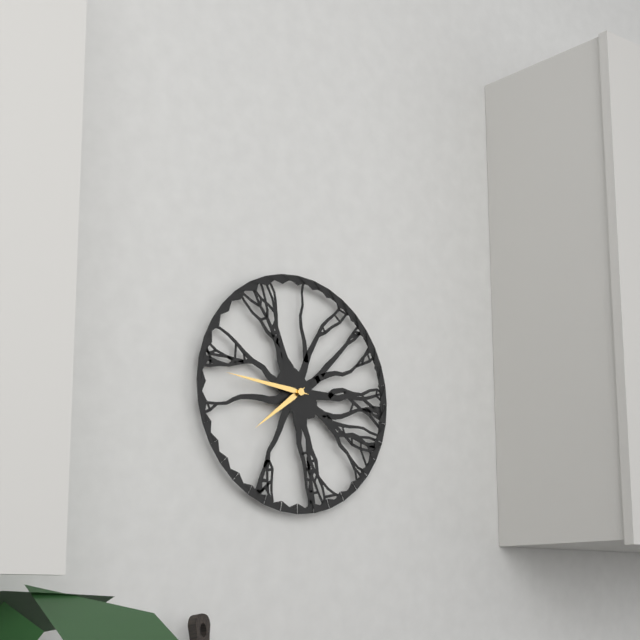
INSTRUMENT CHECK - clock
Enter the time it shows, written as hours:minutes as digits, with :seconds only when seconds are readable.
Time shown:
7:46
